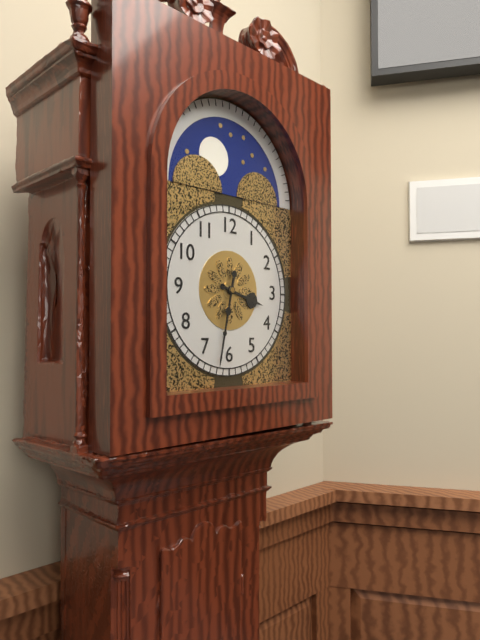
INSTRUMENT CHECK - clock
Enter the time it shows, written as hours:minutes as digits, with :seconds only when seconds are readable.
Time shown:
3:32
